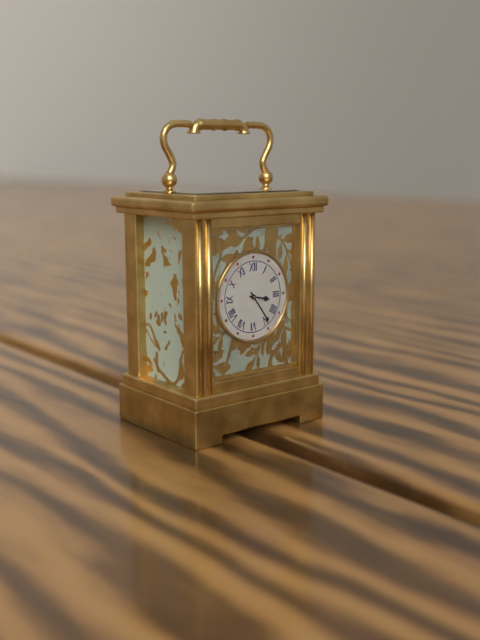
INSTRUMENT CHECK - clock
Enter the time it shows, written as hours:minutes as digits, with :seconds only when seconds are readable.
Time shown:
3:24
